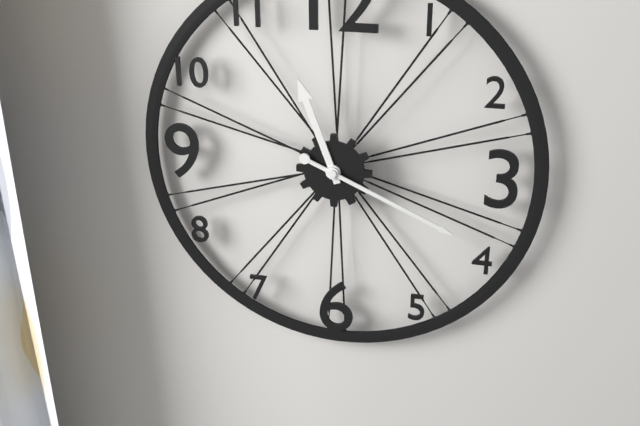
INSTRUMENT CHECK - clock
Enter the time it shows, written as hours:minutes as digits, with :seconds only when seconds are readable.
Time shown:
11:19
